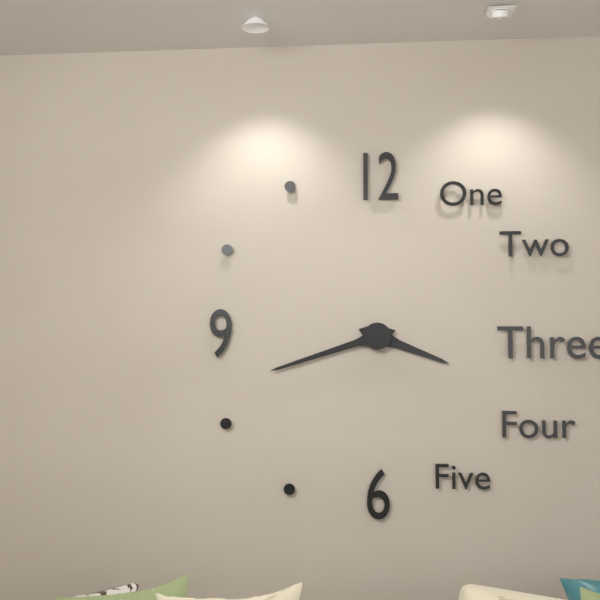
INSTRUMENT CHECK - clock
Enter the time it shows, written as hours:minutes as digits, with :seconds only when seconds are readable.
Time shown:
3:42
